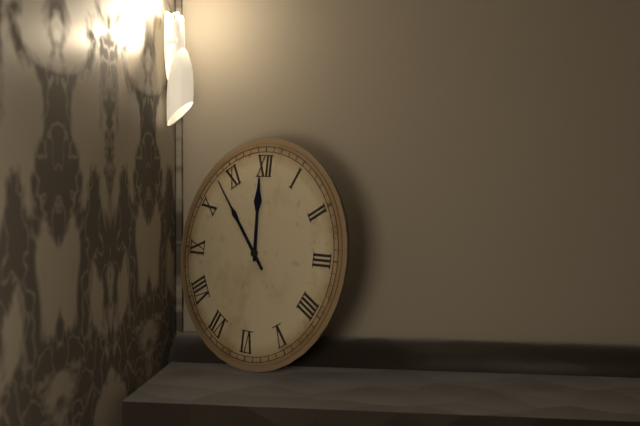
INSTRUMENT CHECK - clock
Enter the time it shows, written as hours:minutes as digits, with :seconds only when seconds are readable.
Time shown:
11:53
